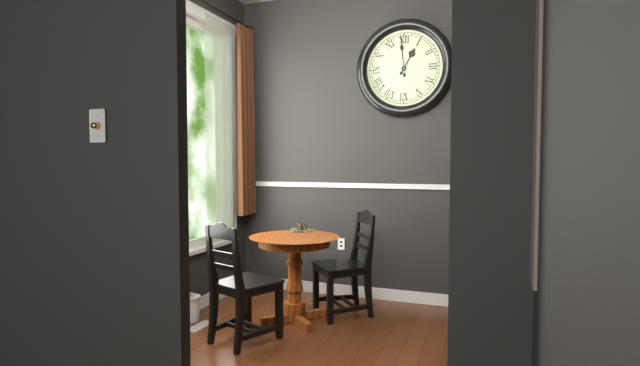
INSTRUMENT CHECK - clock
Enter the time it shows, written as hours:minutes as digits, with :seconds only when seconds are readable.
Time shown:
12:59
